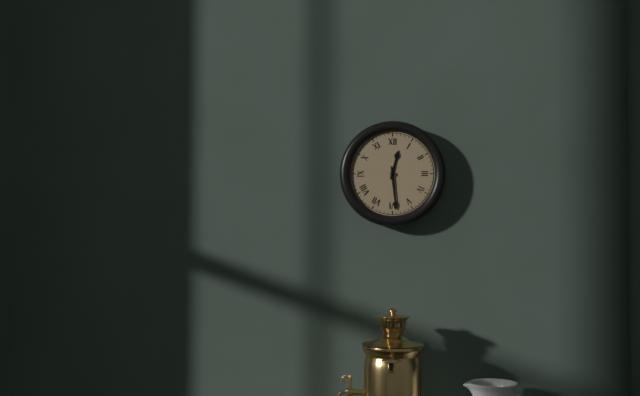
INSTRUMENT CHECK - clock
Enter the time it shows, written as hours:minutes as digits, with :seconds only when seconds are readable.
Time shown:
12:29
